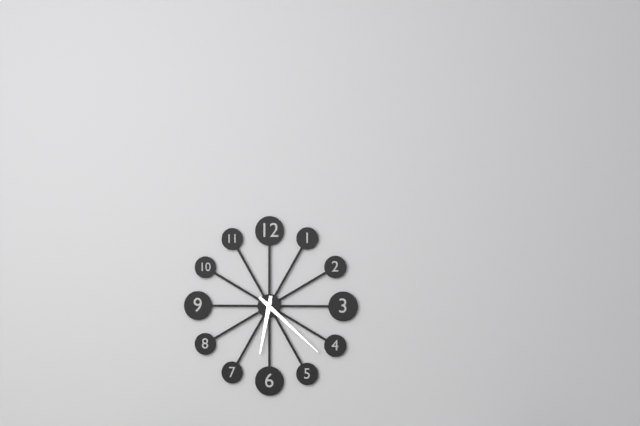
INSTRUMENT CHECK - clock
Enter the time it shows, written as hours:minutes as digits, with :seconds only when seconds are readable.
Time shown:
6:22
